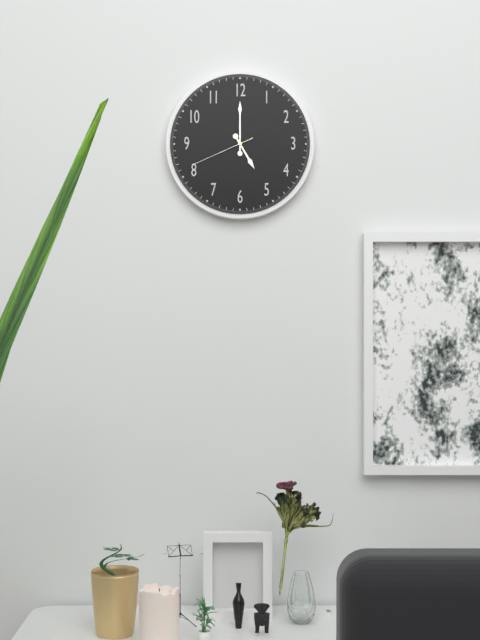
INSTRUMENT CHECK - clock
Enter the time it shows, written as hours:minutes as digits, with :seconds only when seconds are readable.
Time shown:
5:00:41
